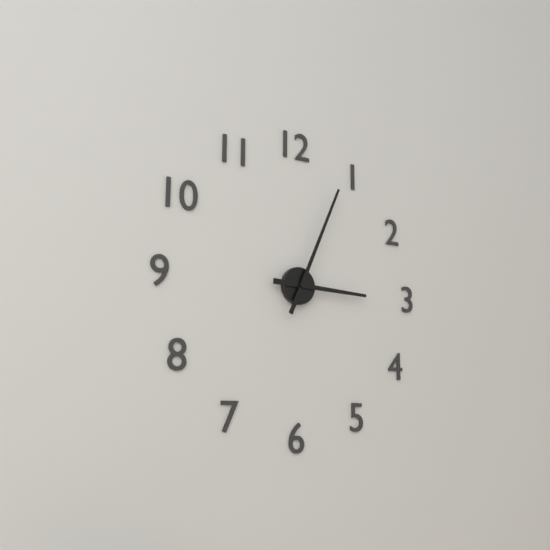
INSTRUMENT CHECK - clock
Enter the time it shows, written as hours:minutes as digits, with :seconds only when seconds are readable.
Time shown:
3:04
